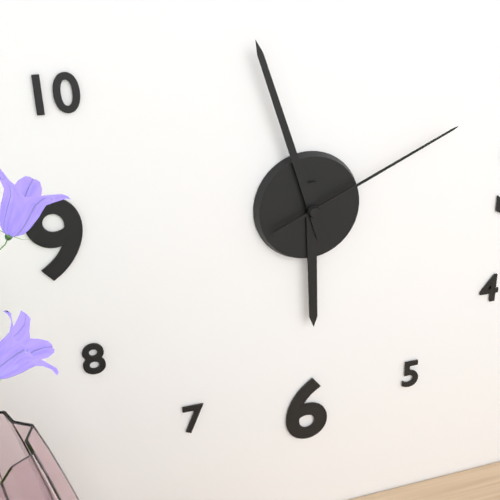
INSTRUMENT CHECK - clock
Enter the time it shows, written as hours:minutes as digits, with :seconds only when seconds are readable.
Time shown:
5:57:11
